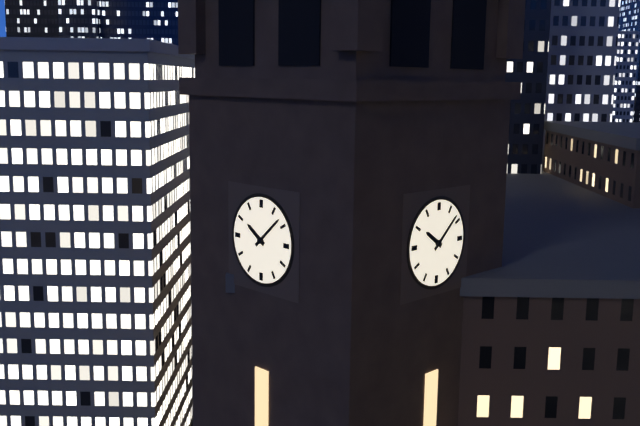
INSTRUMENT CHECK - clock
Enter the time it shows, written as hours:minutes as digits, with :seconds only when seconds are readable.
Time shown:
10:08
